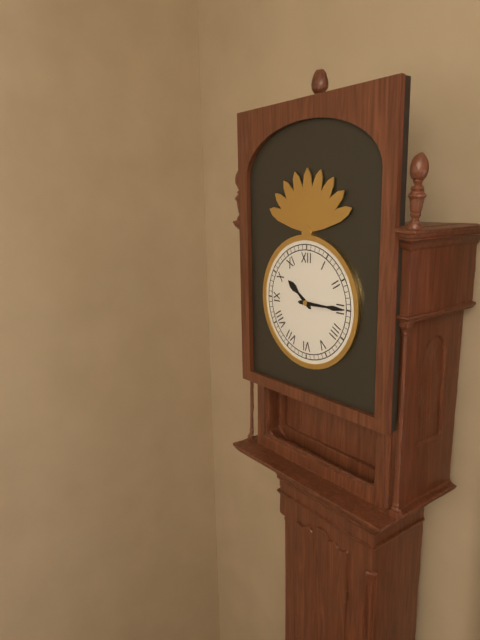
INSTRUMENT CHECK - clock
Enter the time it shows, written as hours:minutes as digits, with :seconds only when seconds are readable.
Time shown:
10:15
